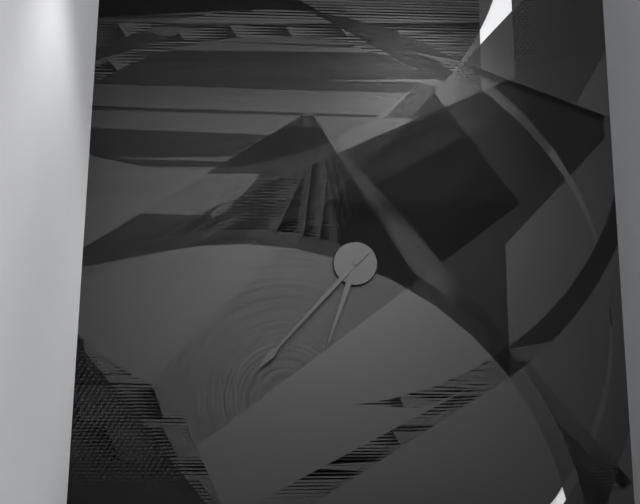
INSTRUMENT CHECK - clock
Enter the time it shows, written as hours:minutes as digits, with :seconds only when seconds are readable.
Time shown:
6:37
